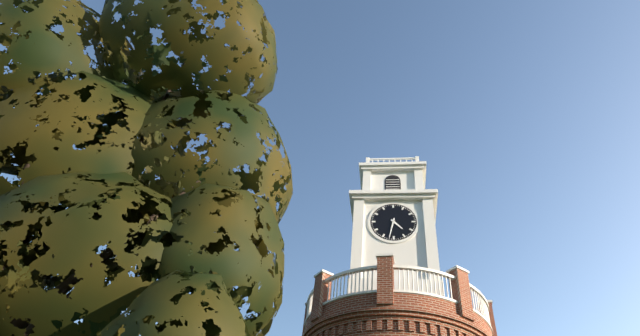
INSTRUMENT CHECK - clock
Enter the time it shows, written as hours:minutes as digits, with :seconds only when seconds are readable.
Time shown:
4:32
